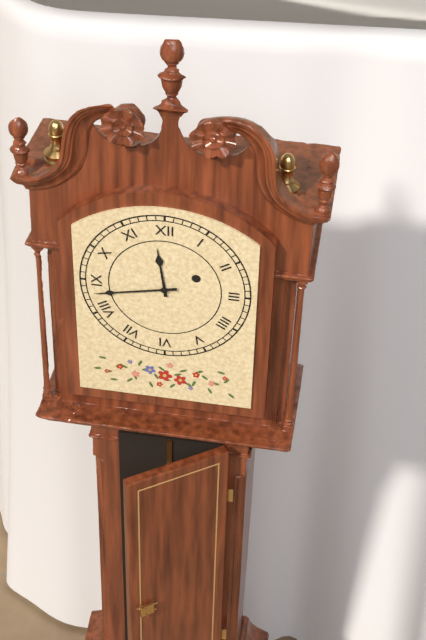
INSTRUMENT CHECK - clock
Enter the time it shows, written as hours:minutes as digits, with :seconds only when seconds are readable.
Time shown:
11:43
